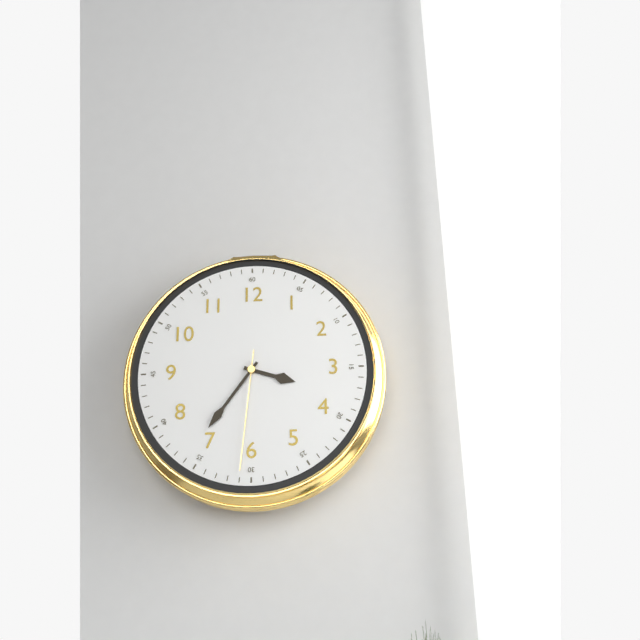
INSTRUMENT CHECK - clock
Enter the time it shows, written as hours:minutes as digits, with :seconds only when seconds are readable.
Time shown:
3:36:31
